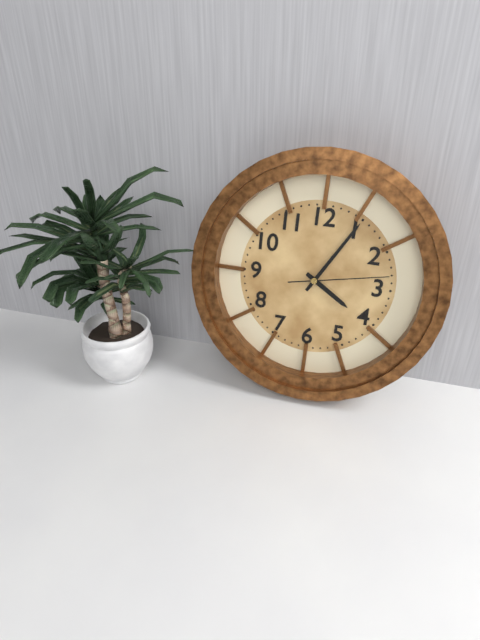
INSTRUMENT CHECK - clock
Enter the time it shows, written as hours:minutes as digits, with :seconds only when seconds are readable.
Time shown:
4:05:13
